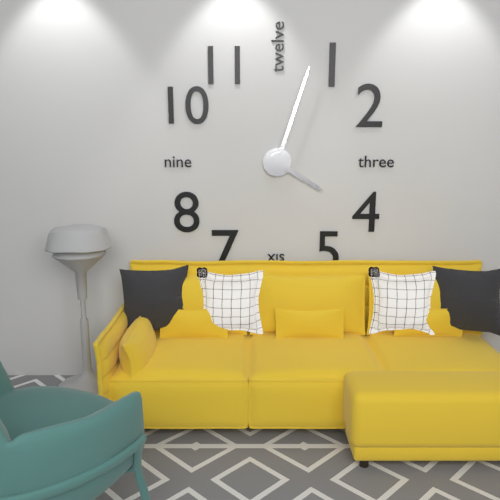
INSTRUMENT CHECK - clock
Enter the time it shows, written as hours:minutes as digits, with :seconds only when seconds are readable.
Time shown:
4:03
